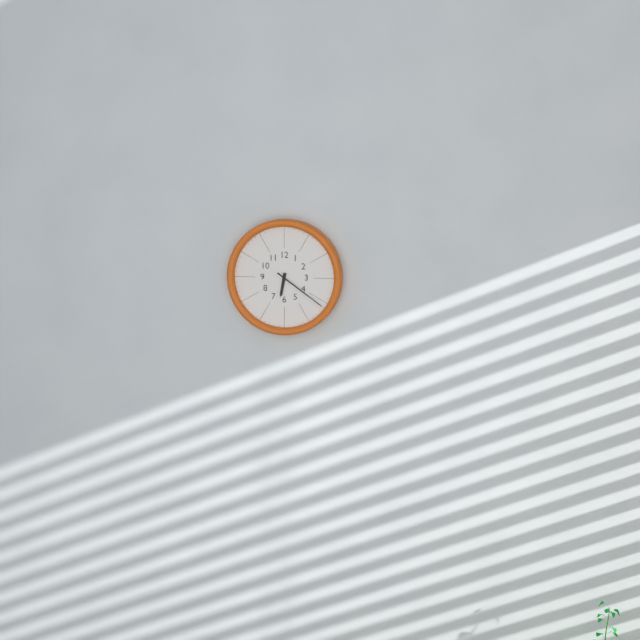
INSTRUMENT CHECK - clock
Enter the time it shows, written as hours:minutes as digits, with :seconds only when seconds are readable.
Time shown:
6:21
